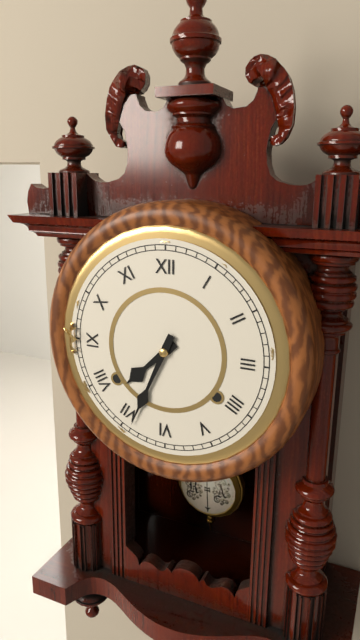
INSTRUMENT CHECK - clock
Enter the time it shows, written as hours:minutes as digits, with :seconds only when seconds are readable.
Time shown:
7:34
